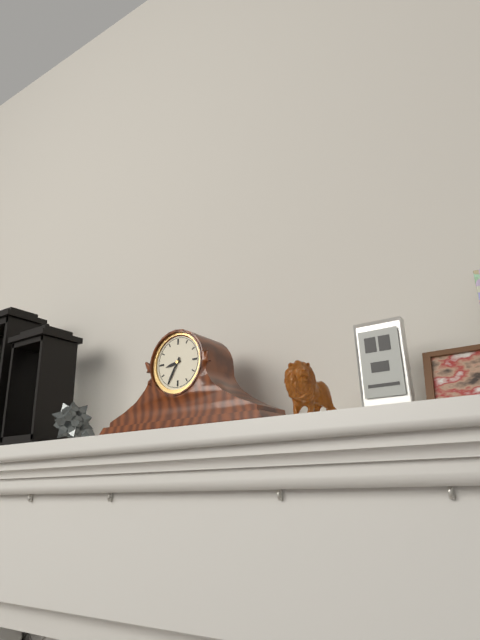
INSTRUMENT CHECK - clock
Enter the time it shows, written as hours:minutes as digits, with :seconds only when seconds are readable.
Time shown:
8:35
